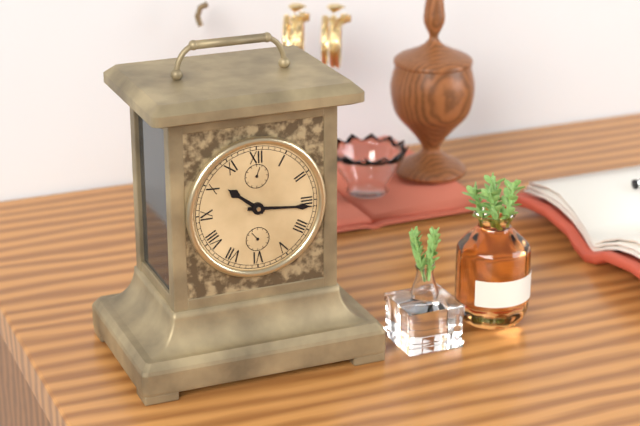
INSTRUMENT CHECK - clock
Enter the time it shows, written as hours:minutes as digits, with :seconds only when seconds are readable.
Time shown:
10:16
